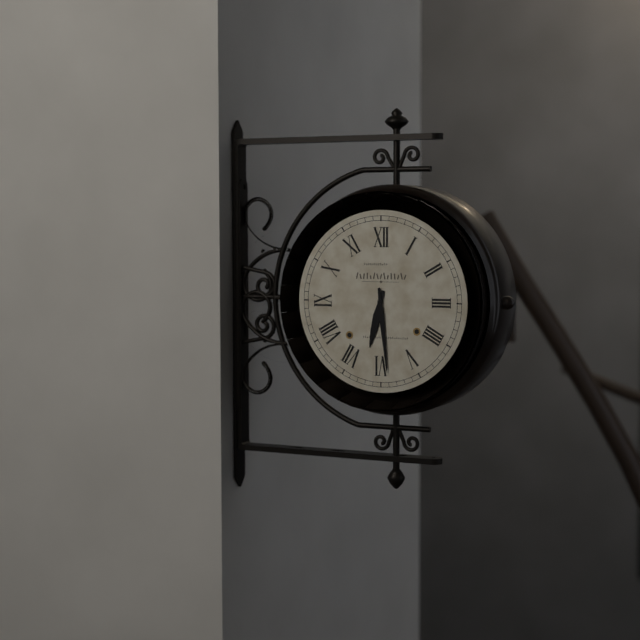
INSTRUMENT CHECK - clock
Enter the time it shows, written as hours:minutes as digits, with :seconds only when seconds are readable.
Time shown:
6:29
